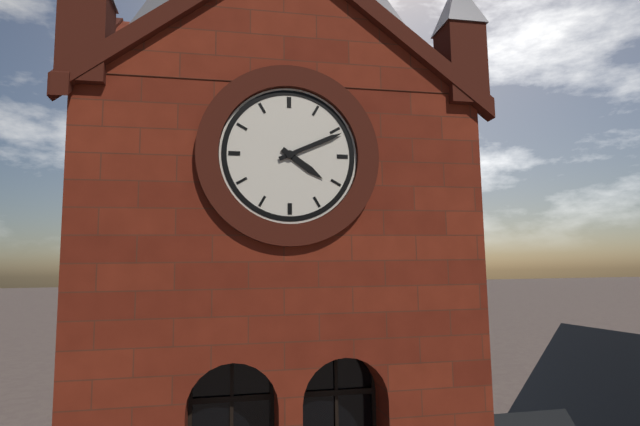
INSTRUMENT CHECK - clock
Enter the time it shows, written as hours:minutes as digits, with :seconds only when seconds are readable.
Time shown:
4:11
